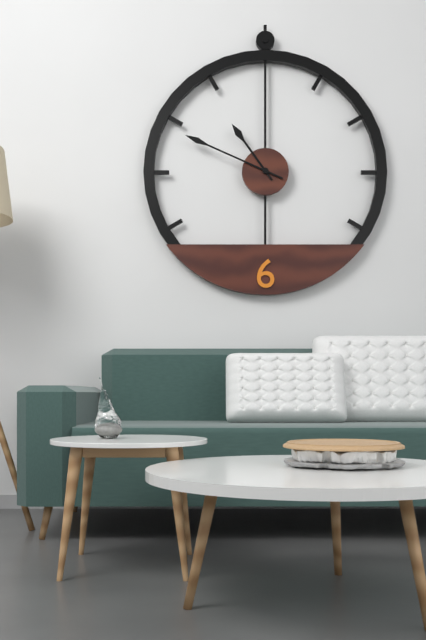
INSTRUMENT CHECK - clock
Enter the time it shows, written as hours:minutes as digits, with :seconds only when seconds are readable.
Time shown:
10:49
